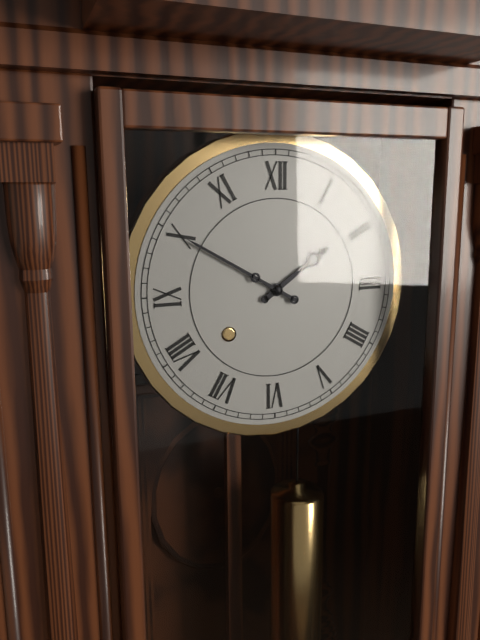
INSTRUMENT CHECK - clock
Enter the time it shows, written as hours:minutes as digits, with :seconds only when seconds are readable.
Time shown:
1:50
